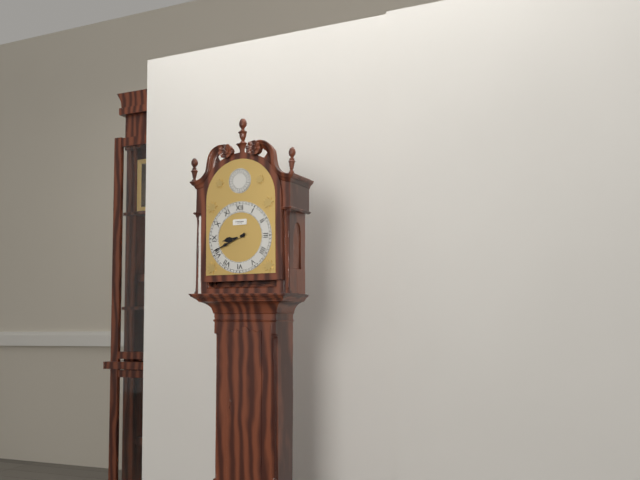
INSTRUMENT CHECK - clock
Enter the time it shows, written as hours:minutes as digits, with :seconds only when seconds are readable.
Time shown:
8:41
